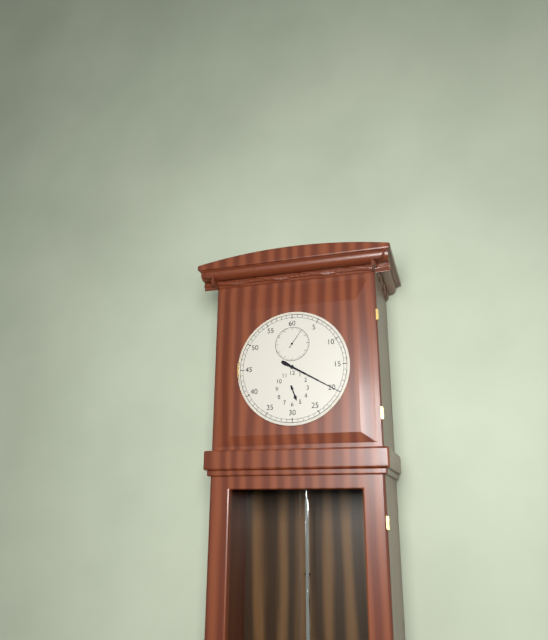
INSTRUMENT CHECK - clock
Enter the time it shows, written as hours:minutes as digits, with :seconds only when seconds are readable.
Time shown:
5:20
